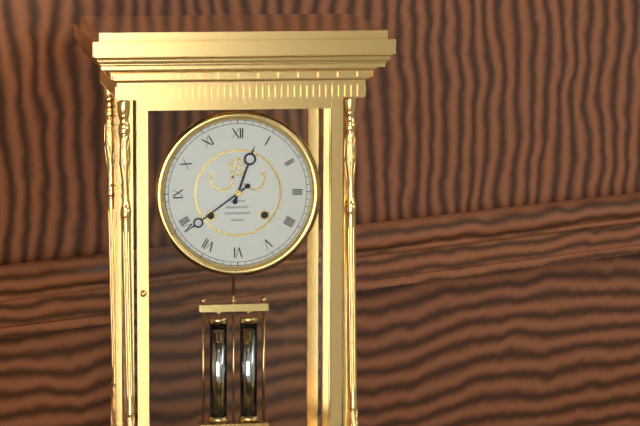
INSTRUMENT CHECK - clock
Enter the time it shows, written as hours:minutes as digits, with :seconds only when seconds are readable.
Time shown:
12:39
